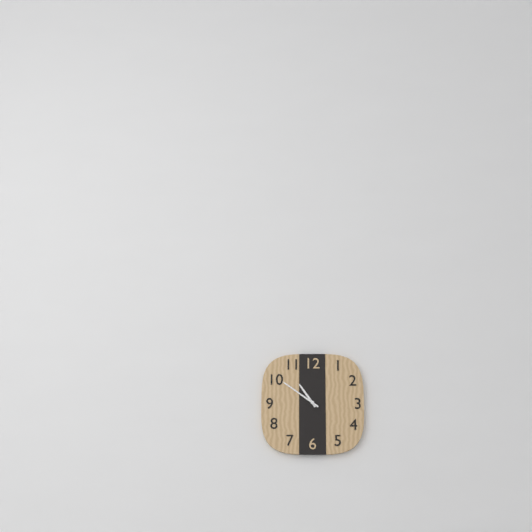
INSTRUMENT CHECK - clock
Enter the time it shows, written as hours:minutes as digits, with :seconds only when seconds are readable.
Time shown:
10:51
